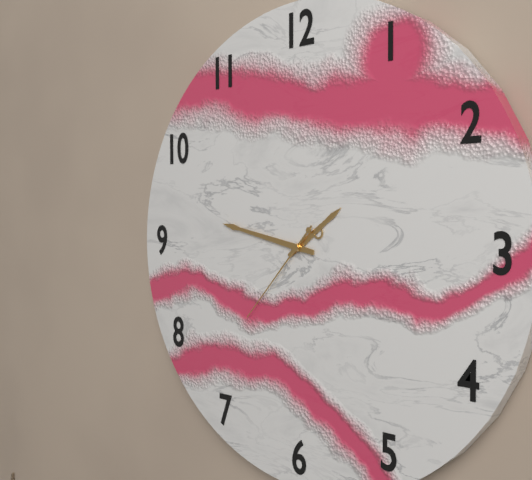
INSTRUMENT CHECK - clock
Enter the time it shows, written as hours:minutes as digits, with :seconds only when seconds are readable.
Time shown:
1:47:37
